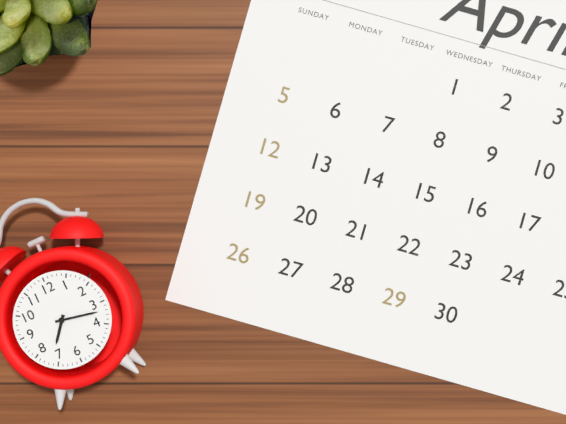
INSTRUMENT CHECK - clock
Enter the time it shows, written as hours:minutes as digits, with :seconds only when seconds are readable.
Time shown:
7:17
